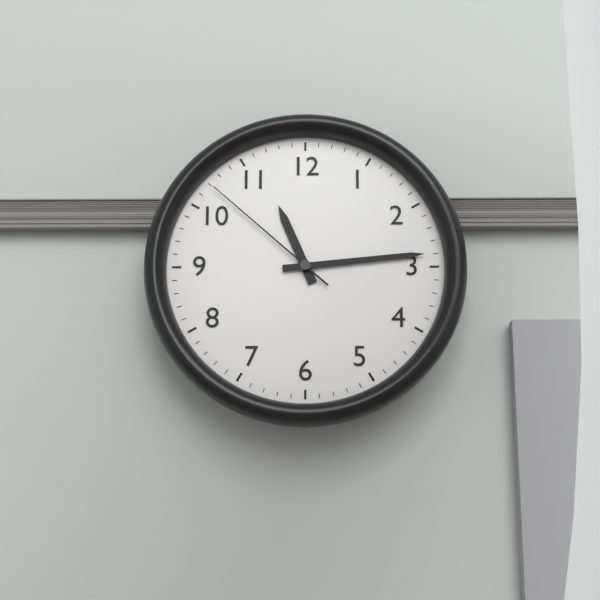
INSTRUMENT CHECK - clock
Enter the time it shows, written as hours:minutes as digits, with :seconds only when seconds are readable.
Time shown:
11:14:52
